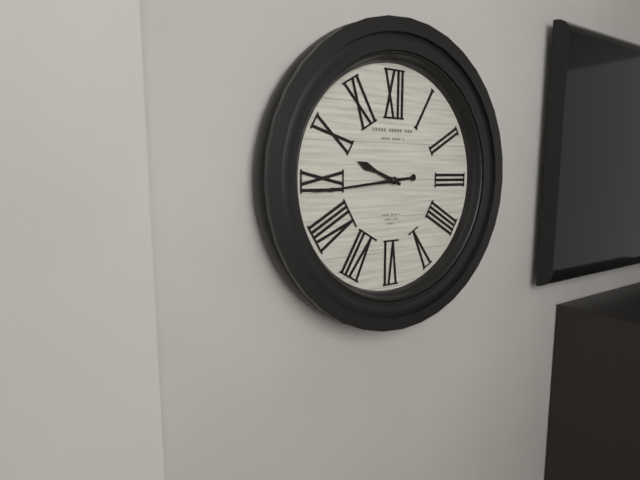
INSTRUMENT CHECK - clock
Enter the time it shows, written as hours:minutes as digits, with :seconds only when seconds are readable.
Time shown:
9:44
